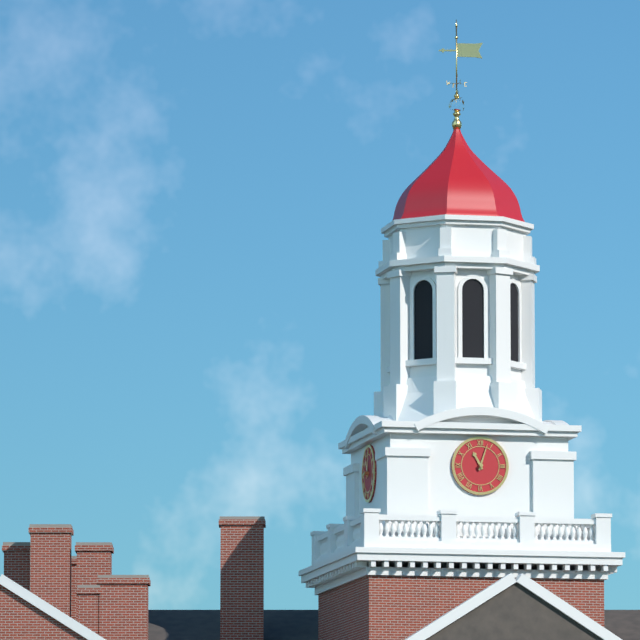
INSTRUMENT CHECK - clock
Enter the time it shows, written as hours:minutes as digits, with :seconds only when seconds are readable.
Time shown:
11:03
